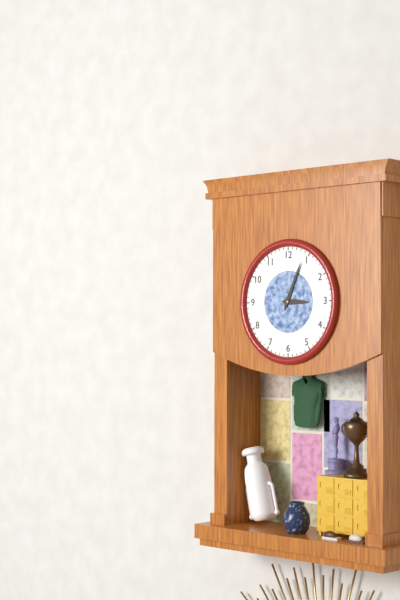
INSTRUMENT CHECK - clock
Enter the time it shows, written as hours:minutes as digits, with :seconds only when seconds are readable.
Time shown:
3:04
